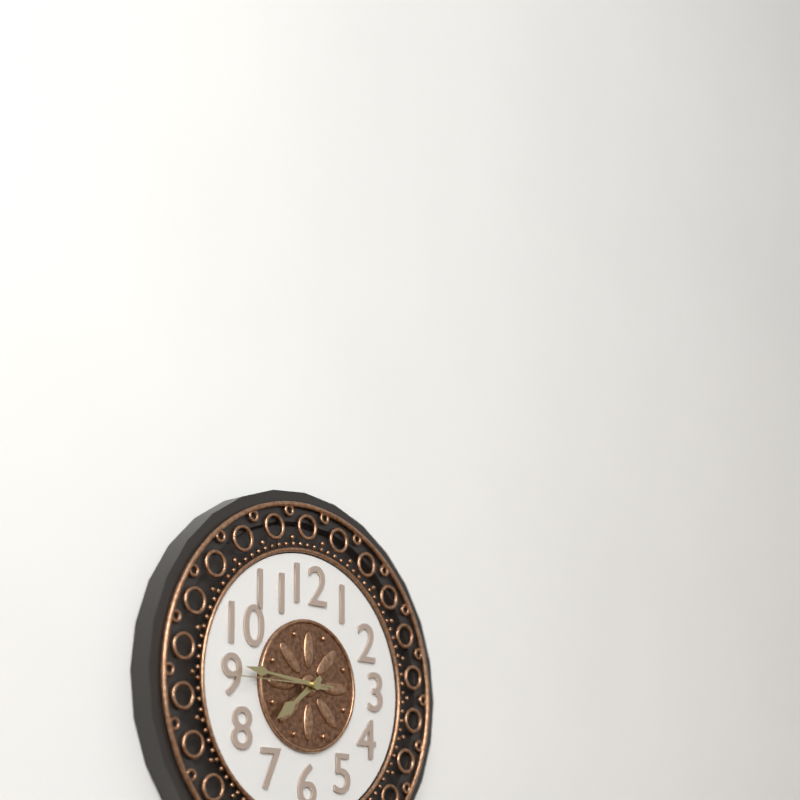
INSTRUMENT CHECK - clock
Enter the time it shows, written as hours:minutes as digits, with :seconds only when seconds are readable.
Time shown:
7:46:45
